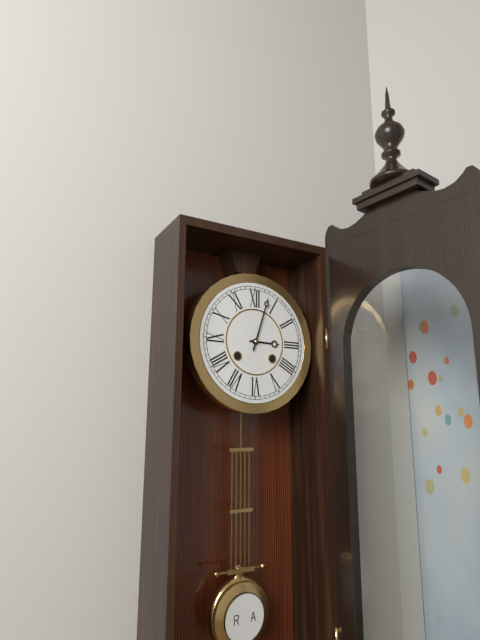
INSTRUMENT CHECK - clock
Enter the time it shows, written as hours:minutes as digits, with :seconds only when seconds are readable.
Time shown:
3:03
